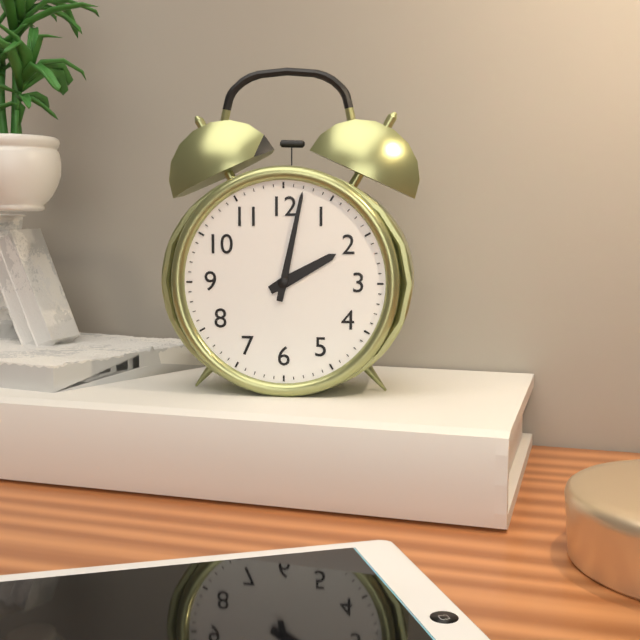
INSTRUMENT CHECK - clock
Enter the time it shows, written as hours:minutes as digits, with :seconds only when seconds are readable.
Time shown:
2:02
